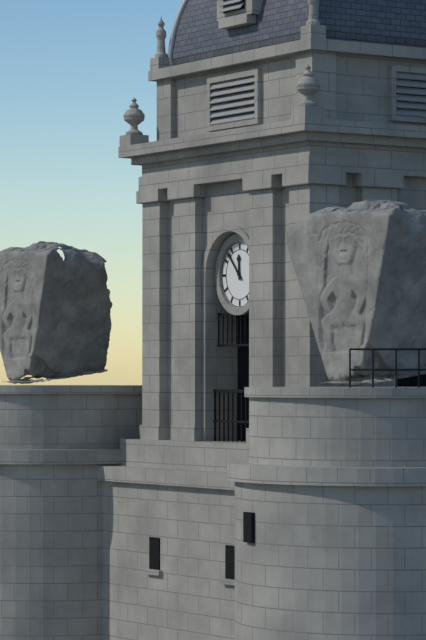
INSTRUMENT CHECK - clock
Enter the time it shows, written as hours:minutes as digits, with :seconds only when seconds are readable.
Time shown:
11:53
